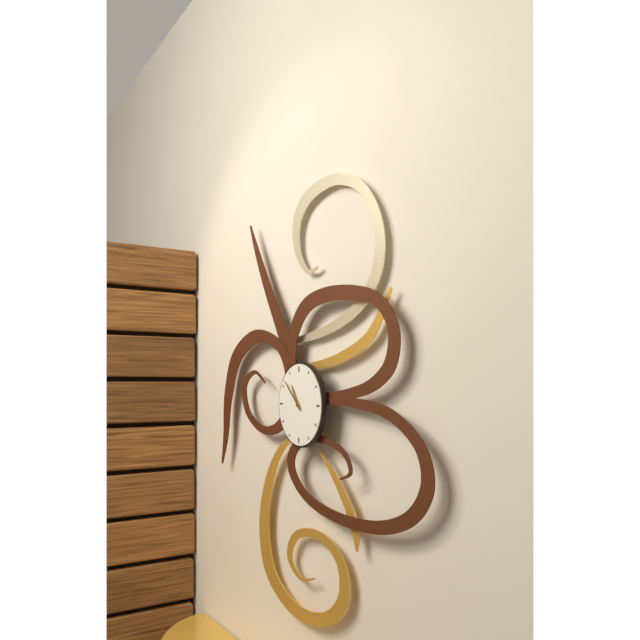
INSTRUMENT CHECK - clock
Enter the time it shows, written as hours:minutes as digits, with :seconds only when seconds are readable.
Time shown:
10:52
